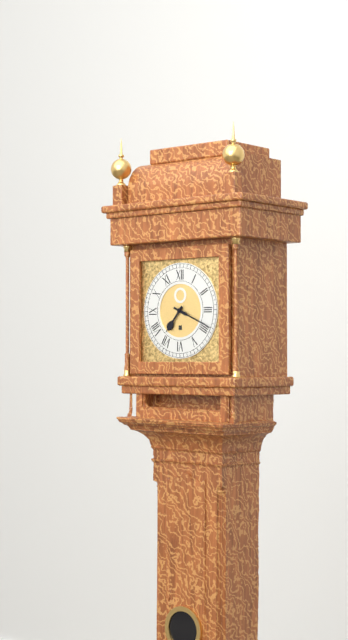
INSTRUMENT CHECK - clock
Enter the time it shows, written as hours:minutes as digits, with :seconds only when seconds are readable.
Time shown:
7:19
